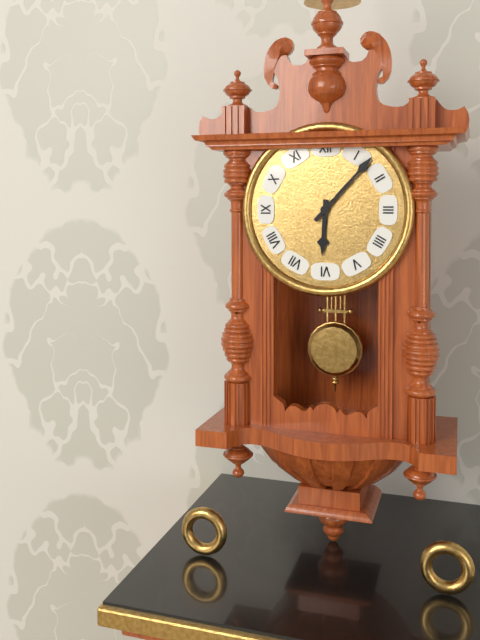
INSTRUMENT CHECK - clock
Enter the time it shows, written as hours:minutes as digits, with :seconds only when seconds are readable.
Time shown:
6:07
